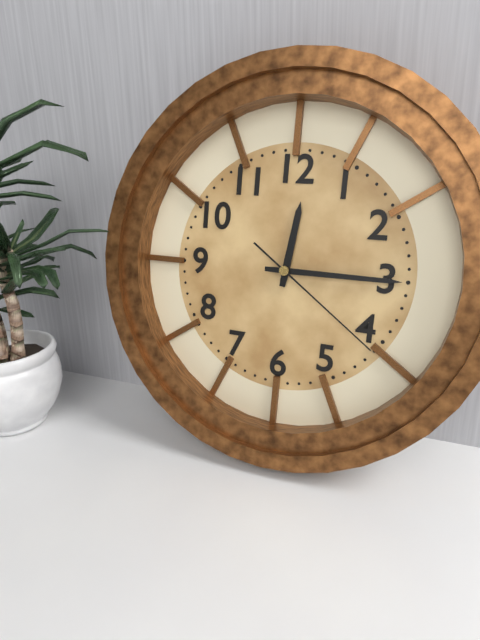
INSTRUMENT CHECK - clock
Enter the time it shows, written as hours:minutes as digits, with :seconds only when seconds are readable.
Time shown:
12:15:21
